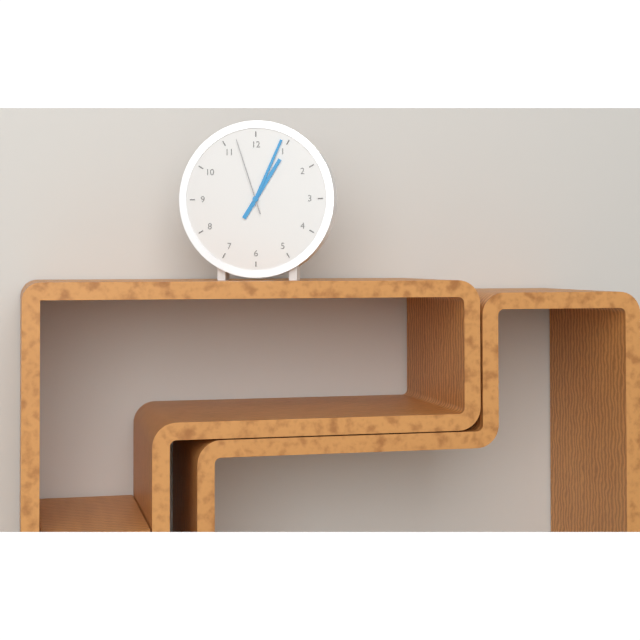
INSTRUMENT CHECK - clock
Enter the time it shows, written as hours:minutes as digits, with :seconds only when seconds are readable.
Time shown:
1:04:57
